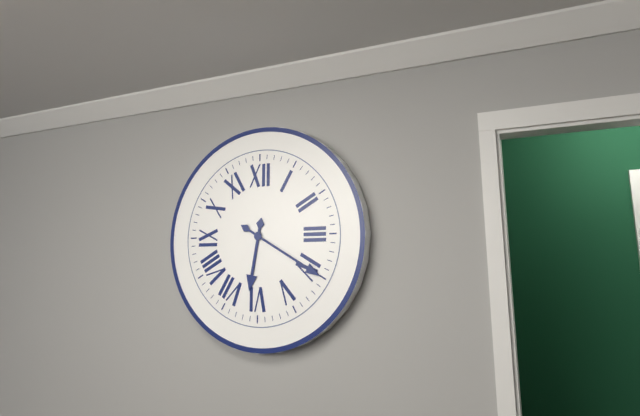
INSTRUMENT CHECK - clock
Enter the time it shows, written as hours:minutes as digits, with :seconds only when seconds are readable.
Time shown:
6:20
